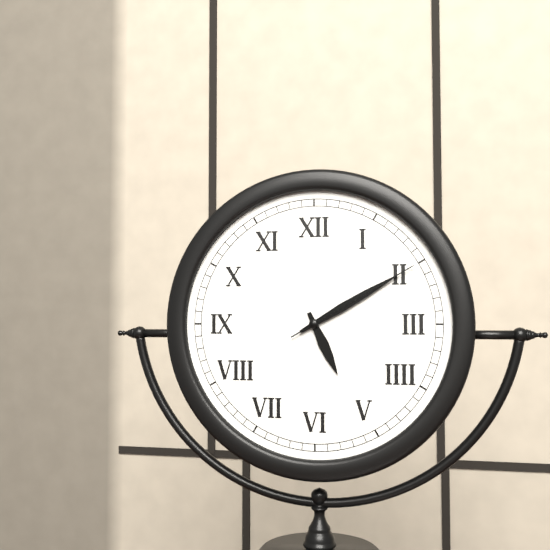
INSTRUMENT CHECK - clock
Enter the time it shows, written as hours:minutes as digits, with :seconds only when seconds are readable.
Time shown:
5:10:10
